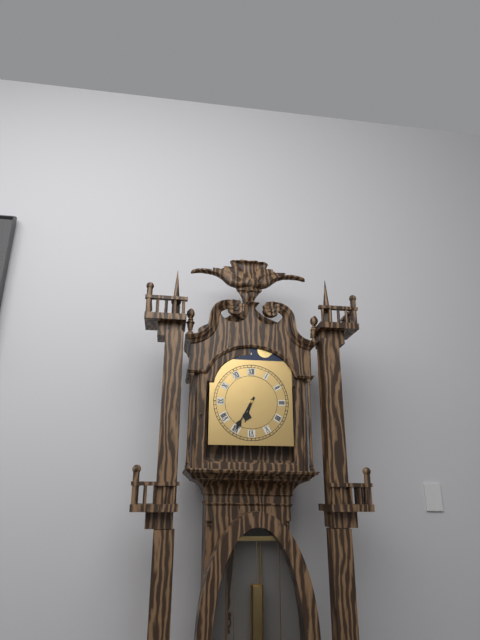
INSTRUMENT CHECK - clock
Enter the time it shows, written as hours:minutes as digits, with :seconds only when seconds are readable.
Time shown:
6:35
